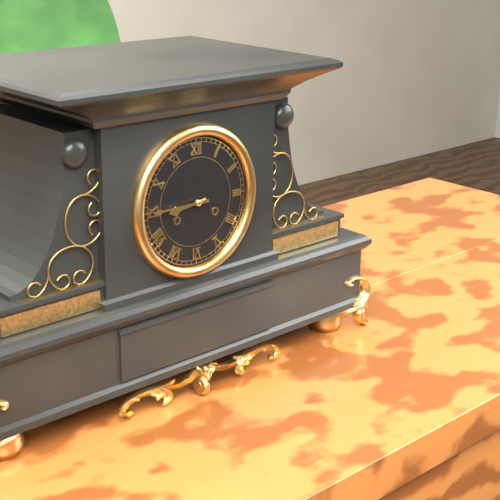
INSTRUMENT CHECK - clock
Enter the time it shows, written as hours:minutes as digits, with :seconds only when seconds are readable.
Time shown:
8:45
